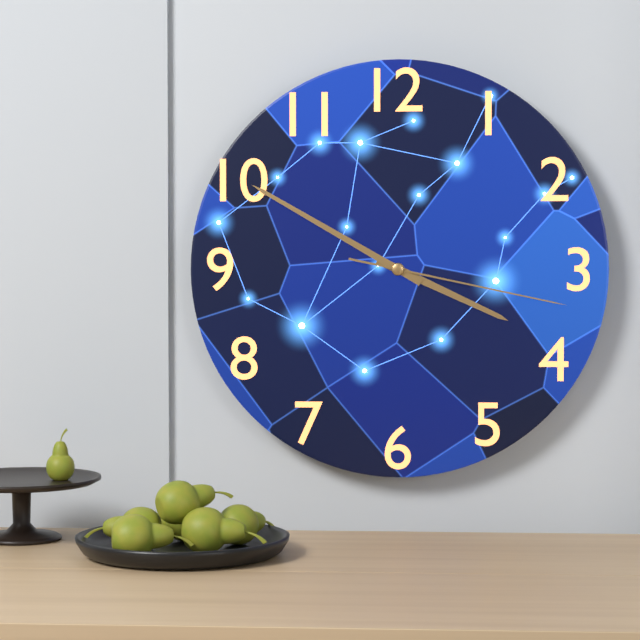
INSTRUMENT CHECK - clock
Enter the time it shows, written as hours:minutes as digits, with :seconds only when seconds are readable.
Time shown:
3:50:17
